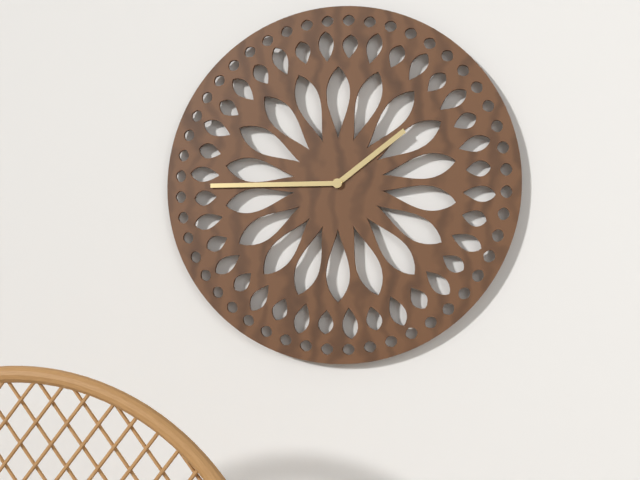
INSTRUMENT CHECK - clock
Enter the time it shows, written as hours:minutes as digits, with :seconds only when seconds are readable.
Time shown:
1:45
